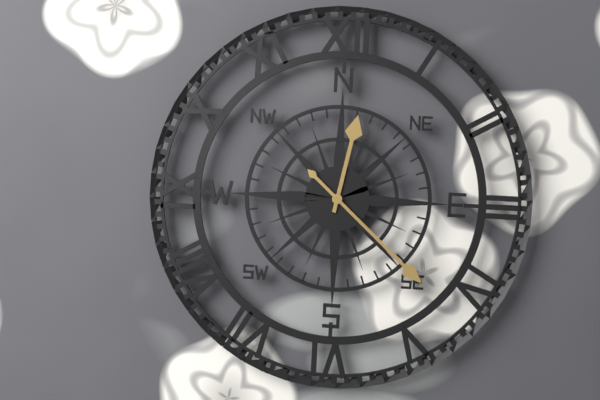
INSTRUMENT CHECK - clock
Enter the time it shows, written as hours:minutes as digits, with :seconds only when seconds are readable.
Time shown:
12:22
